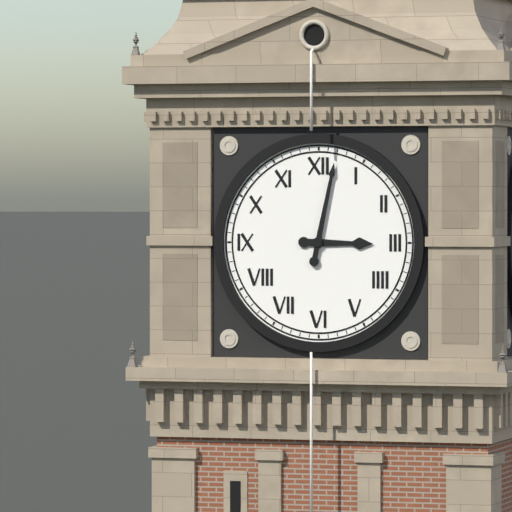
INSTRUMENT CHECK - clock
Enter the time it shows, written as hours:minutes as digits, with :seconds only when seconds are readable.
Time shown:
3:02
